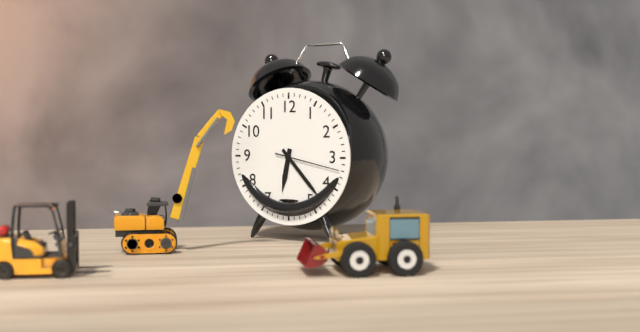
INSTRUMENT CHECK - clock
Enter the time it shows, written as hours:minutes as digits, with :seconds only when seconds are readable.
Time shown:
6:23:17
